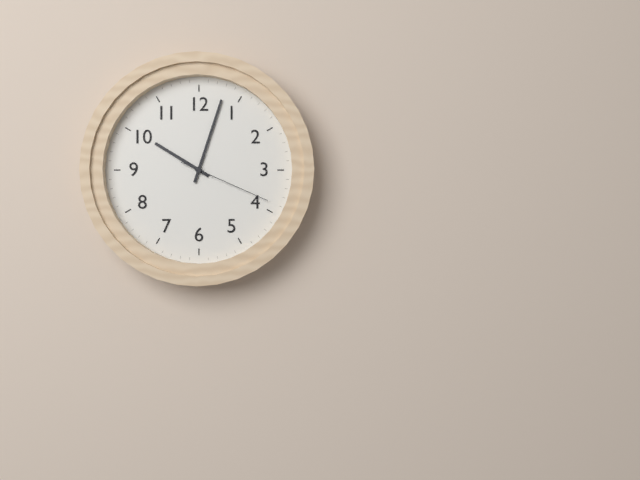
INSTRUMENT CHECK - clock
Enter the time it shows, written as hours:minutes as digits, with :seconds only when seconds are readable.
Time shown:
10:03:19
